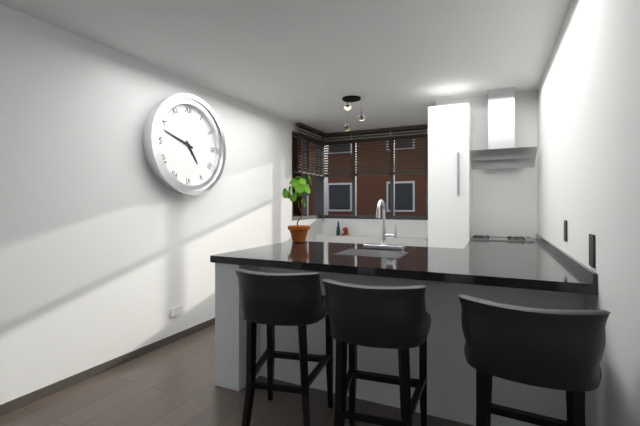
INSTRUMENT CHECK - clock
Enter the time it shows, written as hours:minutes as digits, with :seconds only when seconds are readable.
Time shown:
4:48
